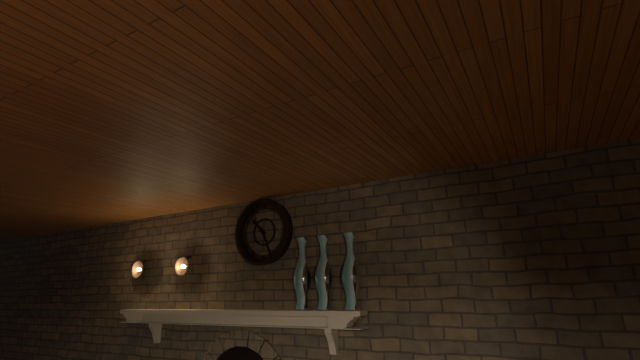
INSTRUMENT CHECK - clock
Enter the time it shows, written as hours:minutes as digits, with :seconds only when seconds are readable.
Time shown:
10:26
